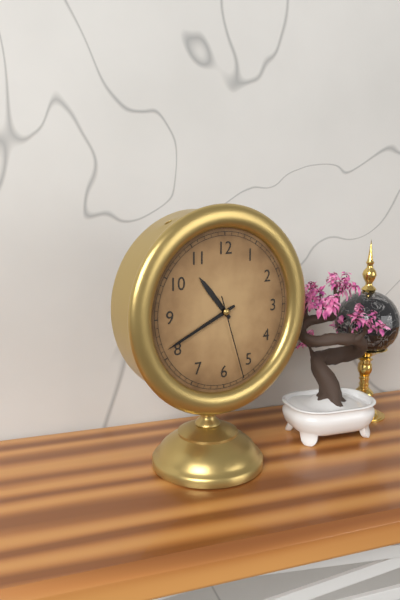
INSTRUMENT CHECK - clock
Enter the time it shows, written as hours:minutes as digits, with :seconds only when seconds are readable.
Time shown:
10:41:27
